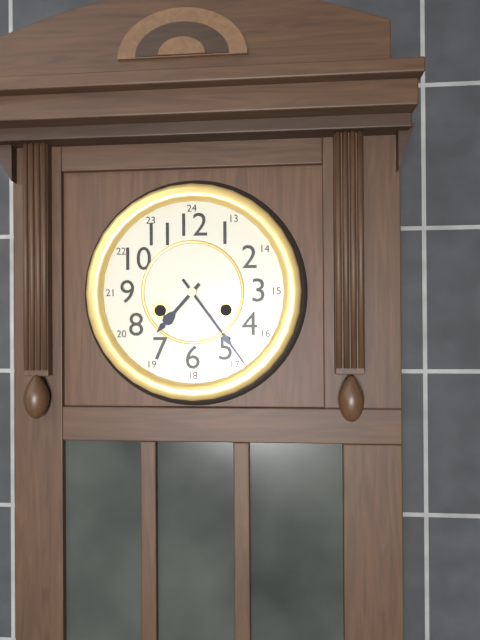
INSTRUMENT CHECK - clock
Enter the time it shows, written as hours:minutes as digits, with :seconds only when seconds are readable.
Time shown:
7:24
